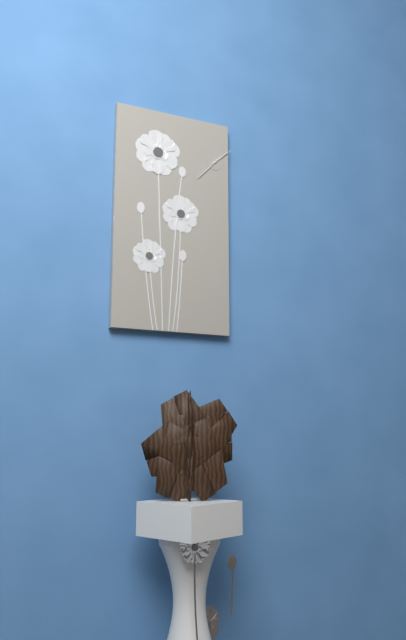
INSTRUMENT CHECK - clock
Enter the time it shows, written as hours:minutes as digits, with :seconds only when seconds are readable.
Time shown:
1:37
